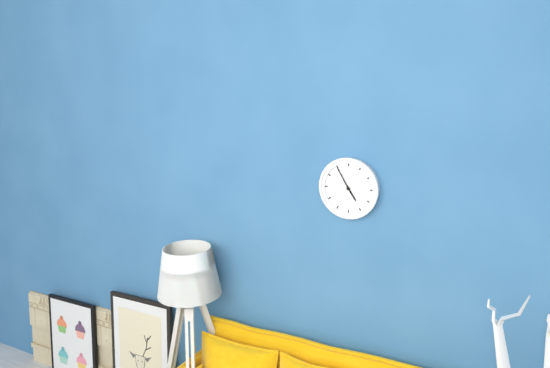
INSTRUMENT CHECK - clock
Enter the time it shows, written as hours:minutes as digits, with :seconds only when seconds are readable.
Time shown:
4:55
